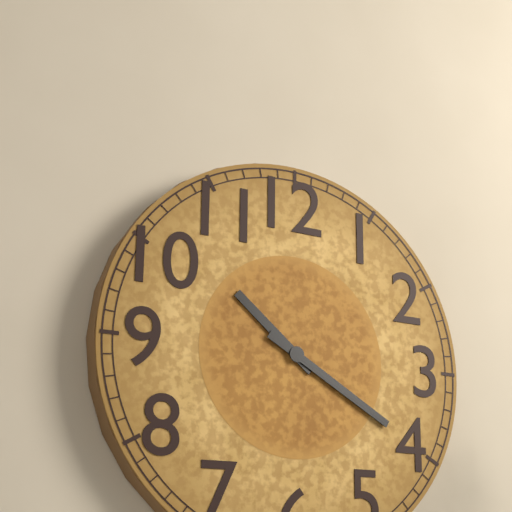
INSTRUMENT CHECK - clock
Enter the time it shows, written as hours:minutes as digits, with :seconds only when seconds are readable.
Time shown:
10:20
